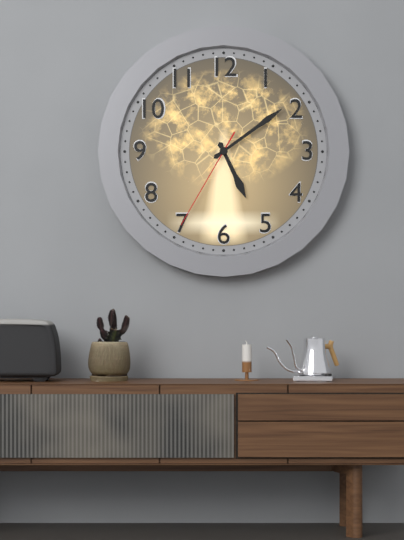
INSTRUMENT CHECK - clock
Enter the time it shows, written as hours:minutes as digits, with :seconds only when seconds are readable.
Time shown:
5:09:35
